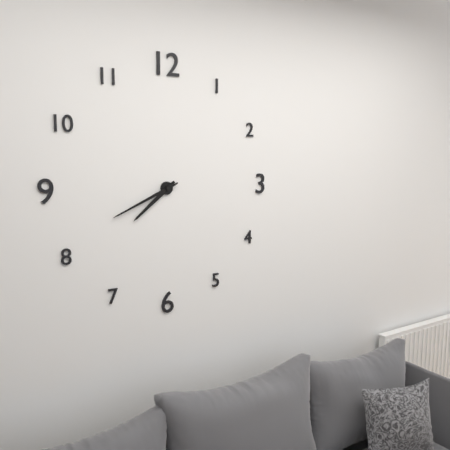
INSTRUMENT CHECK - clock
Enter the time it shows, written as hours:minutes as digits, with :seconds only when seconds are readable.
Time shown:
7:41
